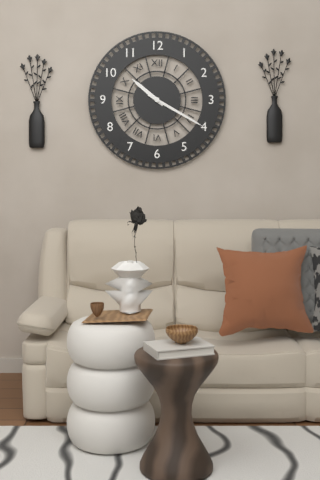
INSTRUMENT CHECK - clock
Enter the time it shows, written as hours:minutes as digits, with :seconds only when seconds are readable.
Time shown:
10:20
